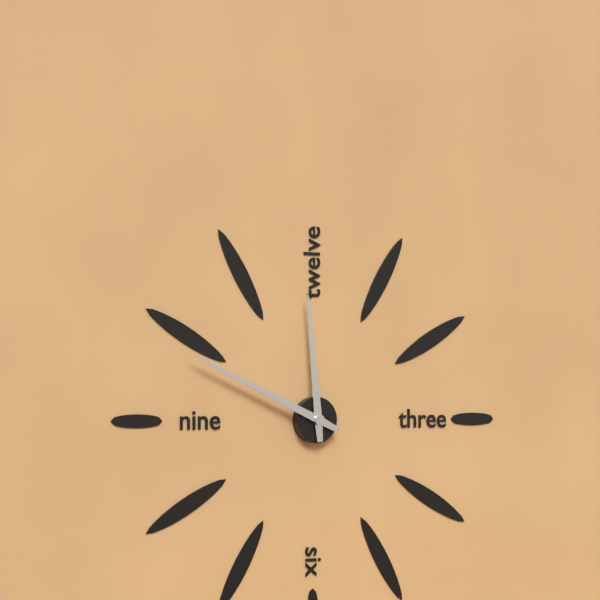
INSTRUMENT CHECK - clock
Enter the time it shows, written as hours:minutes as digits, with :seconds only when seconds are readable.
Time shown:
11:49
